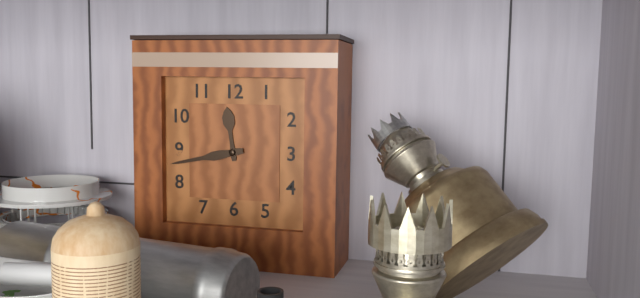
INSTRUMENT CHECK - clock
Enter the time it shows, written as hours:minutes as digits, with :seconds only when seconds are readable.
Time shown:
11:43
